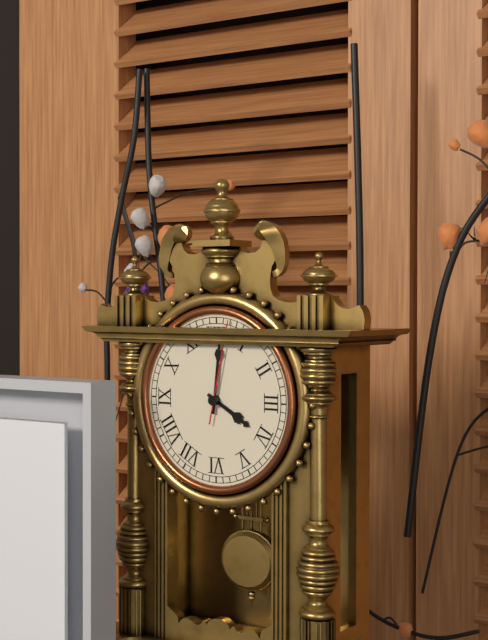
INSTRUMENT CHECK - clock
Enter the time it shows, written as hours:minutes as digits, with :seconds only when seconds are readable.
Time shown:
4:01:02
